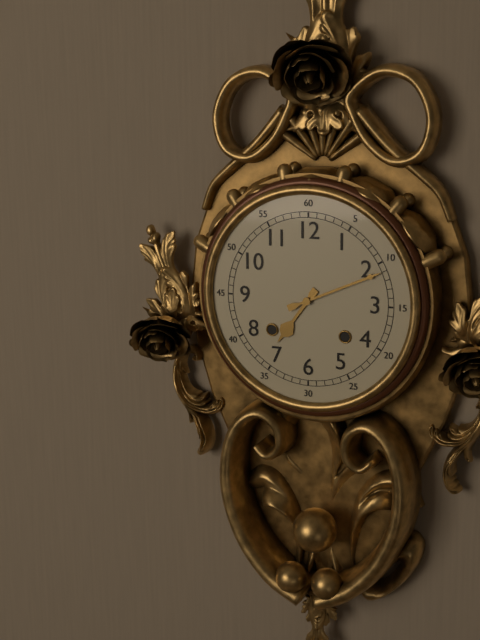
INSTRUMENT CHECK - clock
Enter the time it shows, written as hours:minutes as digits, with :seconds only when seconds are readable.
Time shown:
7:11
